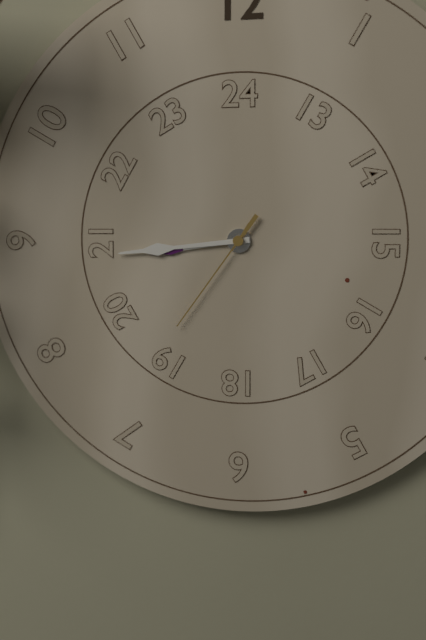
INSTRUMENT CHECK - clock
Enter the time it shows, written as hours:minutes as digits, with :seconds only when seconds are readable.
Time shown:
8:44:36
